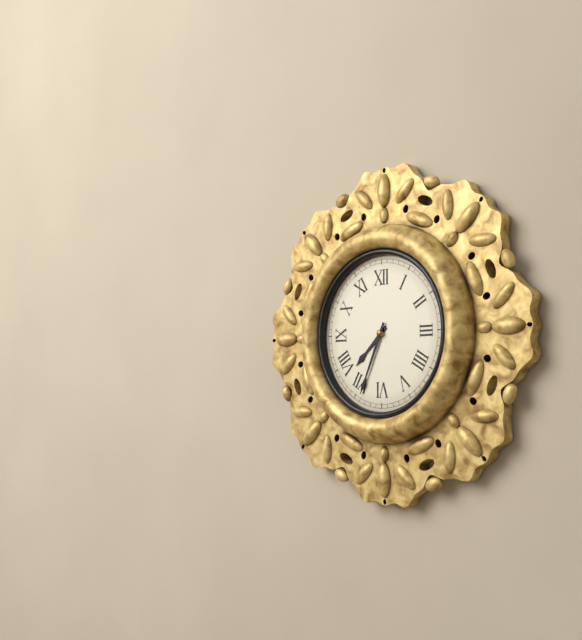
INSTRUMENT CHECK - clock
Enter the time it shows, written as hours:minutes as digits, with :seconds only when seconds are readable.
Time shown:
7:34
